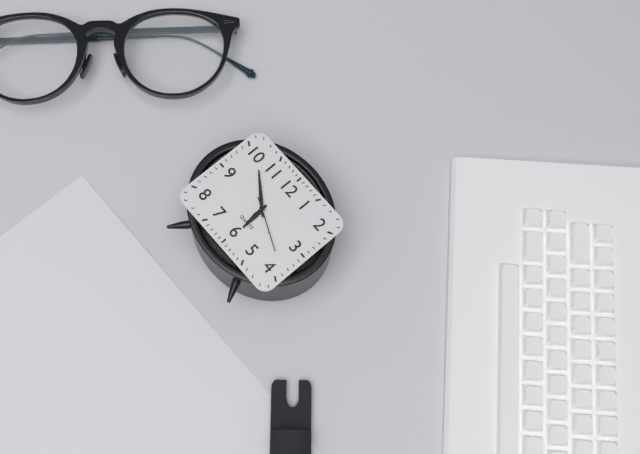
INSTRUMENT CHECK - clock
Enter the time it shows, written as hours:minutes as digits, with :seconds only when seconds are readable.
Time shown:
5:51:19
